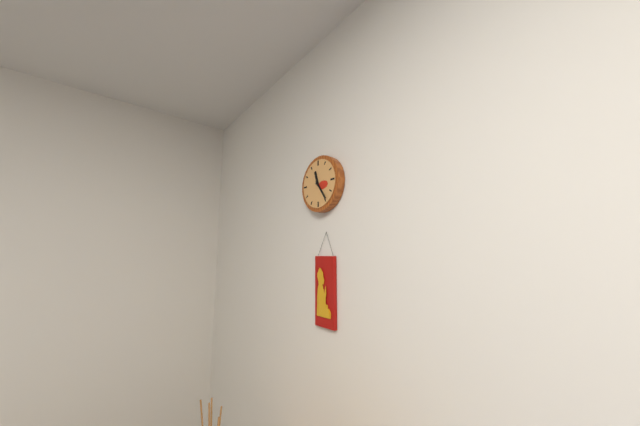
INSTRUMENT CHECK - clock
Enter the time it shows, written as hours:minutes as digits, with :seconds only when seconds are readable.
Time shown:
11:24
